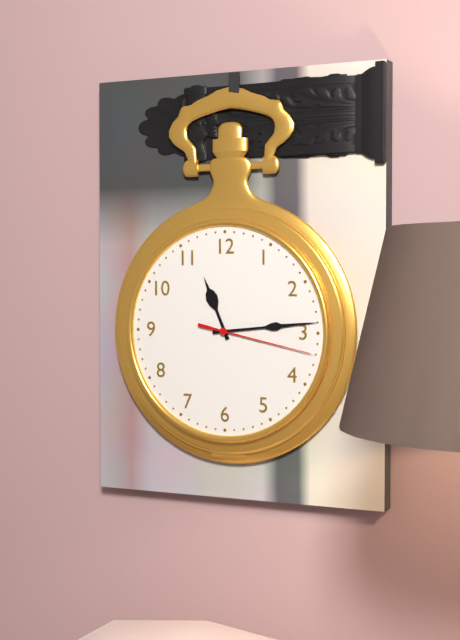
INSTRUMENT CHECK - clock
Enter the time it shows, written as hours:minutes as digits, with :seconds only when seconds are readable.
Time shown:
11:14:17
